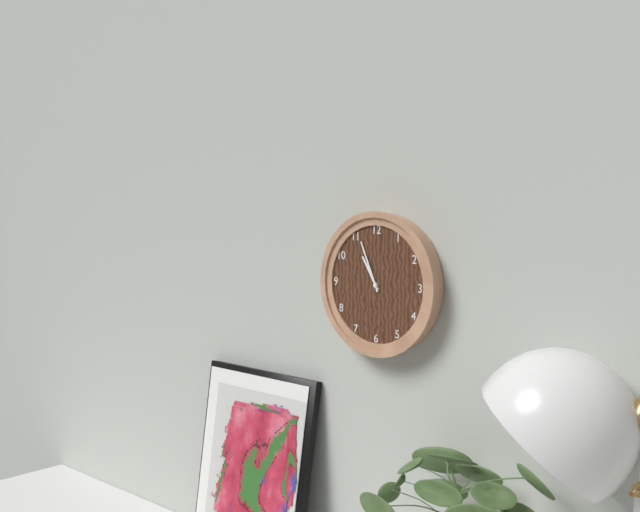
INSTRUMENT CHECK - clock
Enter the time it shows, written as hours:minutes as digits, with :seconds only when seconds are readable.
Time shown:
10:56
